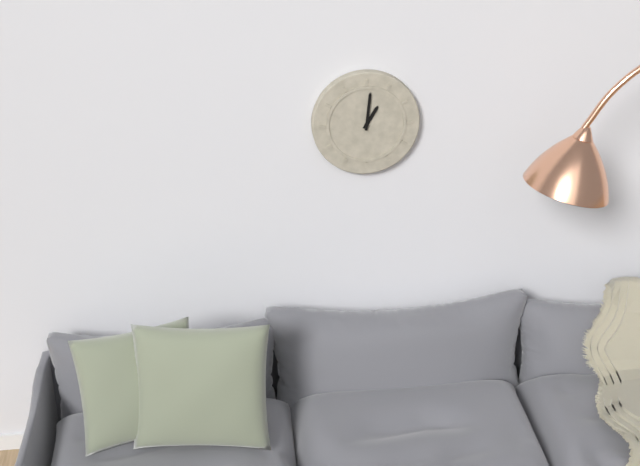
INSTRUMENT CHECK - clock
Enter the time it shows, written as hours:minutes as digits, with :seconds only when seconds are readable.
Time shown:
1:01
